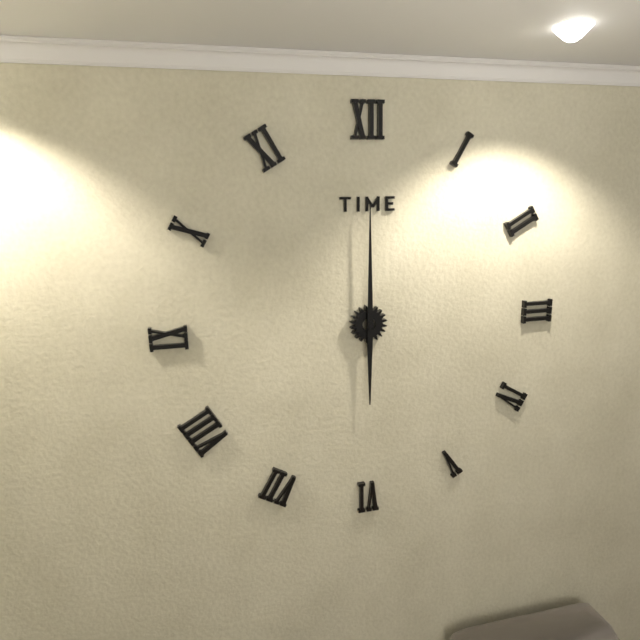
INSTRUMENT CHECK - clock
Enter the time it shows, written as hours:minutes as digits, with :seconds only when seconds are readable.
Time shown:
6:00
